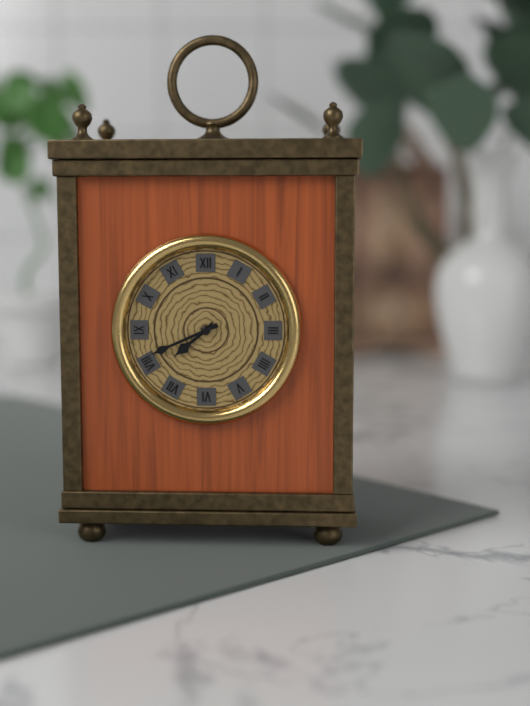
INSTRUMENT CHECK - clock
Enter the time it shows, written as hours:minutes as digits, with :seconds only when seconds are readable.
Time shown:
7:41
